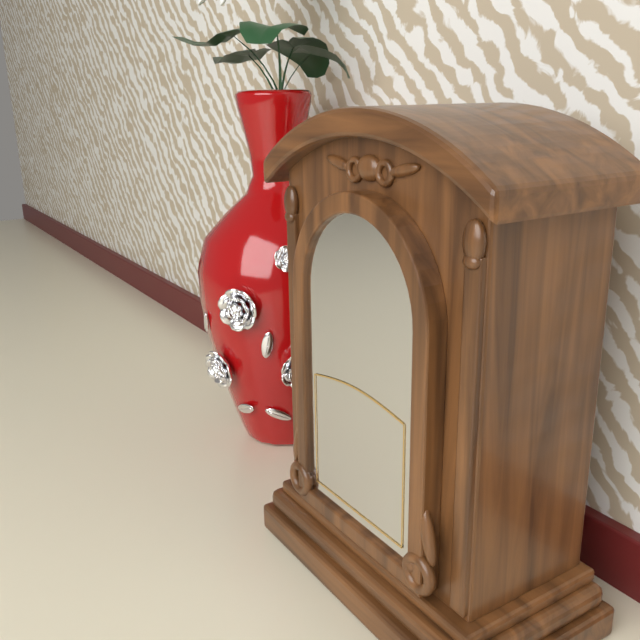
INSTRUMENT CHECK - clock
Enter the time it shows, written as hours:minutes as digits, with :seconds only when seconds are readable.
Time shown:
8:38
